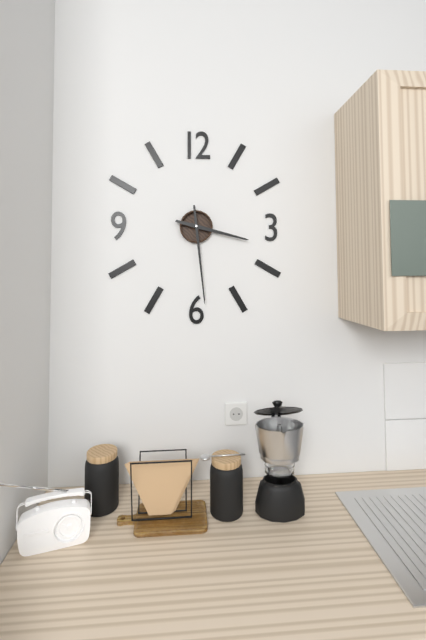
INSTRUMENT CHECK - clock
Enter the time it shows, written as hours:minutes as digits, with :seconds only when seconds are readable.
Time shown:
3:29
